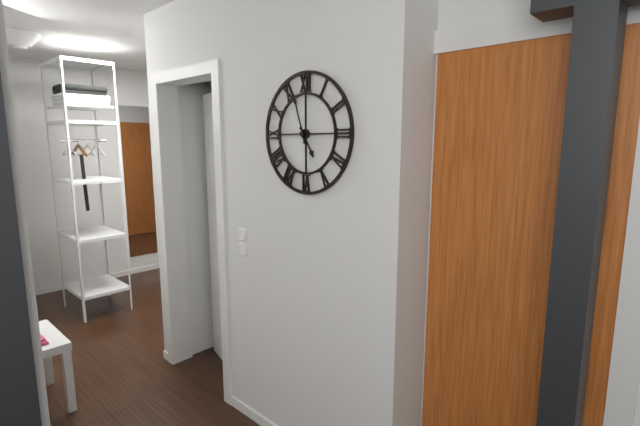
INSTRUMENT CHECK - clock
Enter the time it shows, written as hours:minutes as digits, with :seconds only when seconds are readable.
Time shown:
4:57
